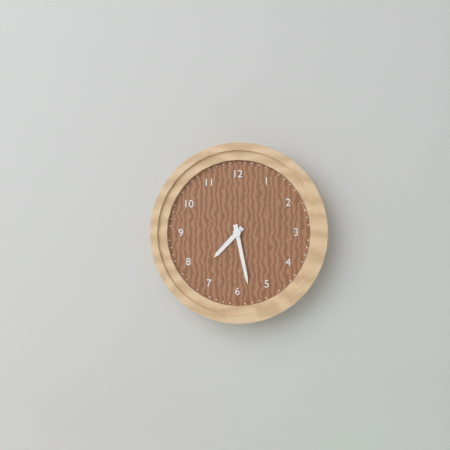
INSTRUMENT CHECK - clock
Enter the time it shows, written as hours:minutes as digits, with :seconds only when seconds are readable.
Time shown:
7:28
